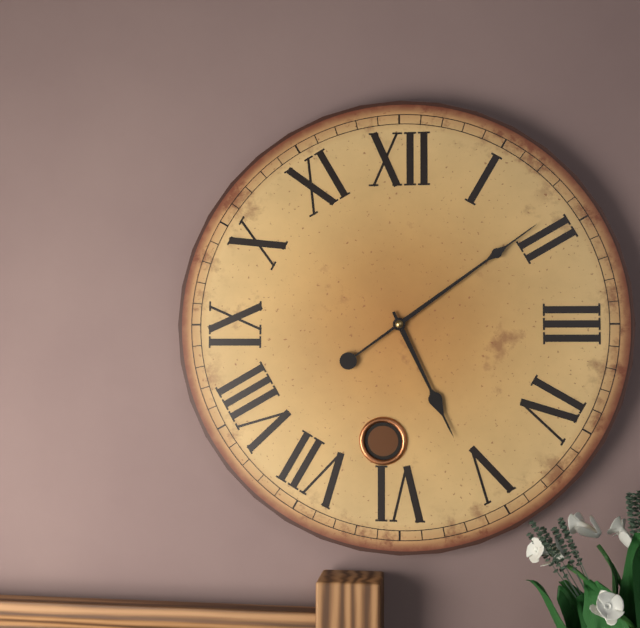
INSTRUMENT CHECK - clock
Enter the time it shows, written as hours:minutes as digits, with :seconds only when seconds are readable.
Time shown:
5:09
